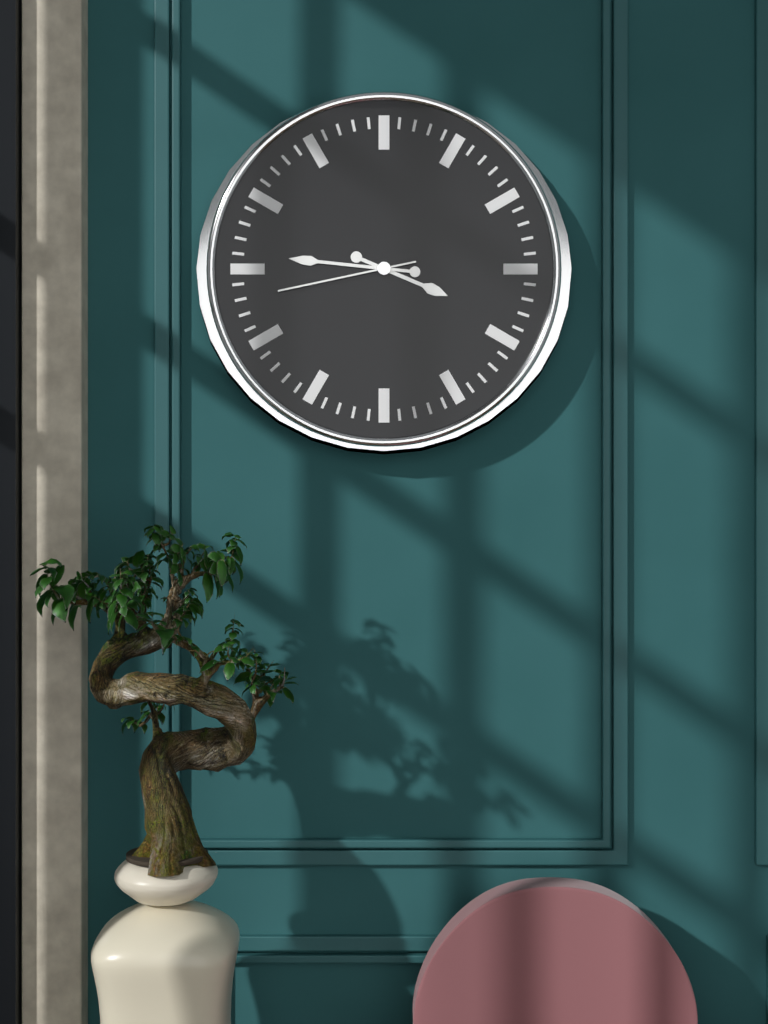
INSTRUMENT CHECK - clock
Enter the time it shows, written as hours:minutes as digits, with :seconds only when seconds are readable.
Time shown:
3:46:43
